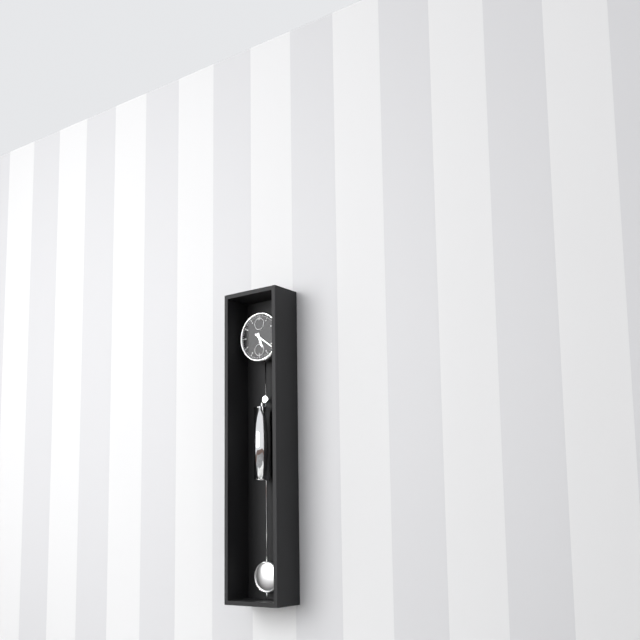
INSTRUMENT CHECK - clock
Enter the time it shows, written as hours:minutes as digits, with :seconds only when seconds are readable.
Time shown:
5:21
